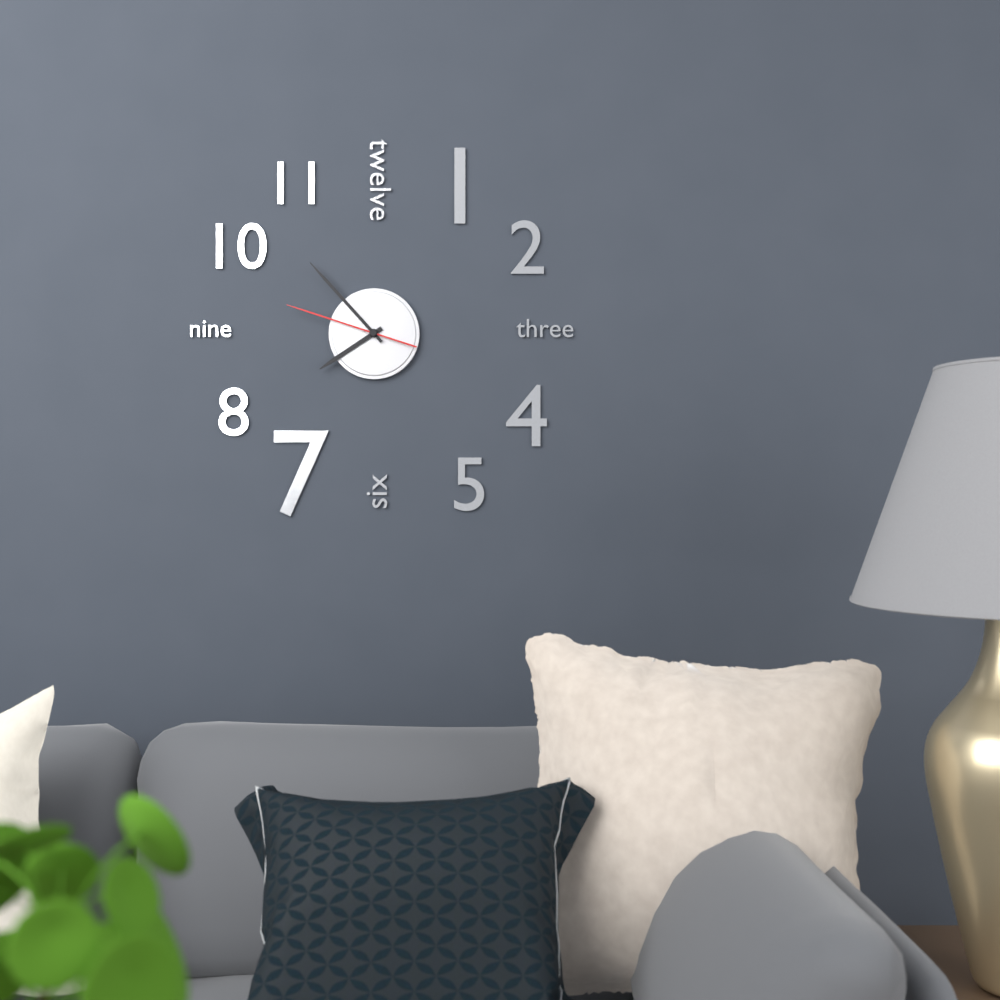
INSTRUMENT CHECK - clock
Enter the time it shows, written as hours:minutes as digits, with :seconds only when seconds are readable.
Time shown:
7:53:48
